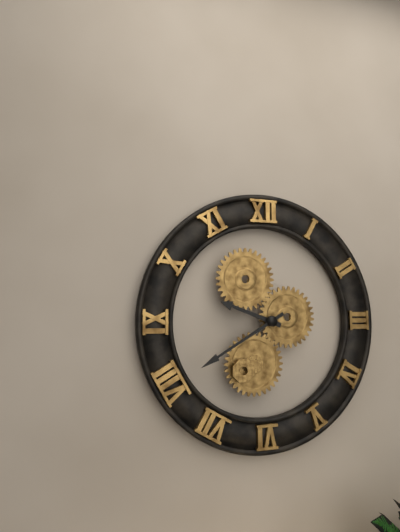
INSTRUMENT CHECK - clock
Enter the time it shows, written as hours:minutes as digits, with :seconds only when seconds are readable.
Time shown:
9:40
